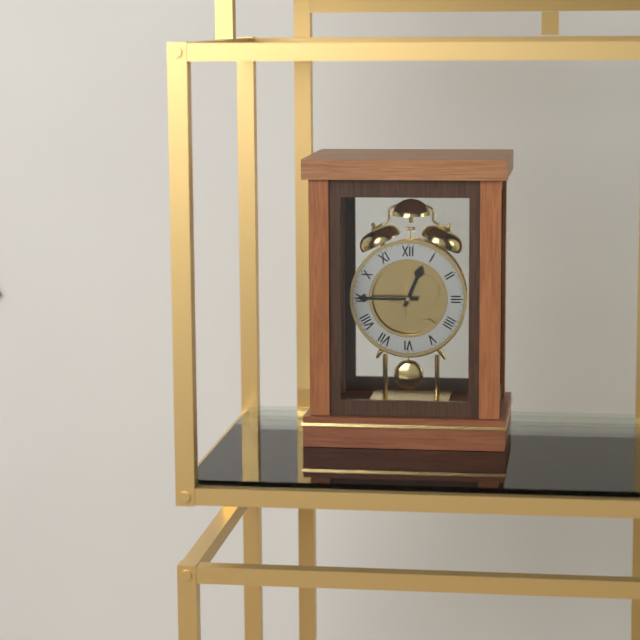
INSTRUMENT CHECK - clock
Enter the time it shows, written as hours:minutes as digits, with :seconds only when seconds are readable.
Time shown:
12:45
